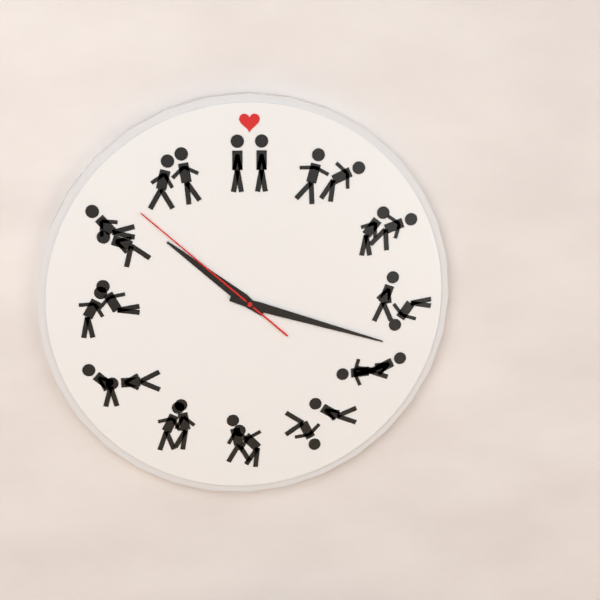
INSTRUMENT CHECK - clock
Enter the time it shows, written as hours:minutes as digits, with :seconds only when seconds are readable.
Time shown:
10:18:52
